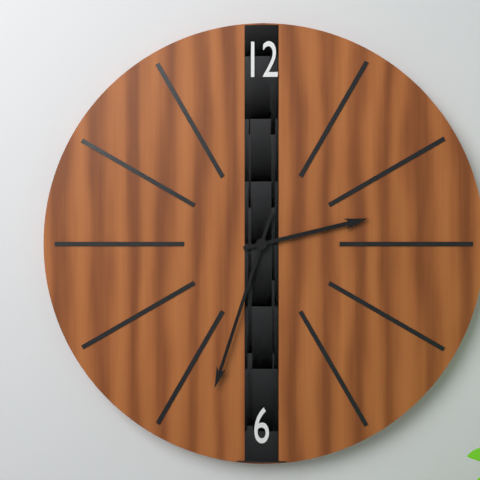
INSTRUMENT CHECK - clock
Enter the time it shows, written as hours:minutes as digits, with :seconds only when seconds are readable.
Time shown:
2:33
